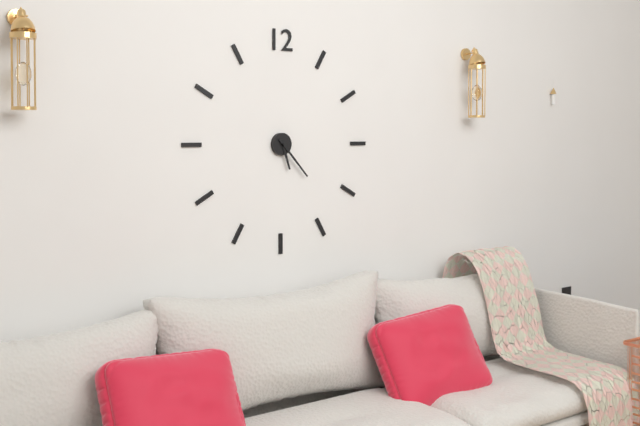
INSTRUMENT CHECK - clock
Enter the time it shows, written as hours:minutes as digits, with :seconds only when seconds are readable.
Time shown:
5:23
